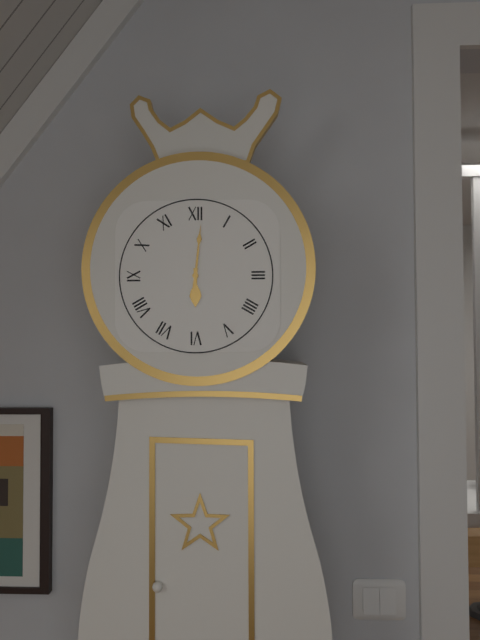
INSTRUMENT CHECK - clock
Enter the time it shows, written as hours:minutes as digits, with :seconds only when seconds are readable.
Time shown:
6:01
